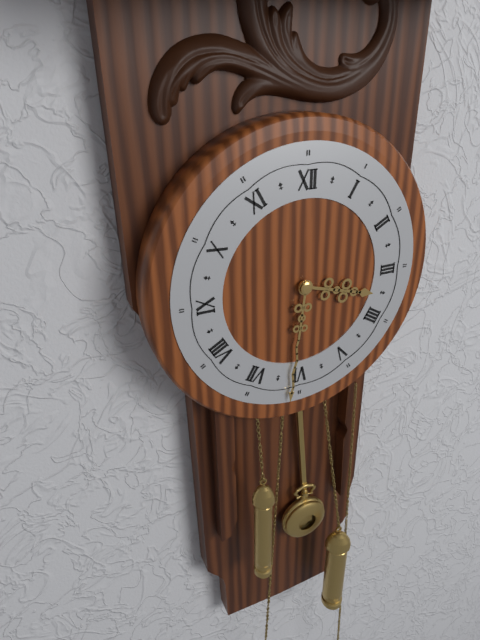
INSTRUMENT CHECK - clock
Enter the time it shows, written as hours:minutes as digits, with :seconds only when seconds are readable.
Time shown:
3:31
